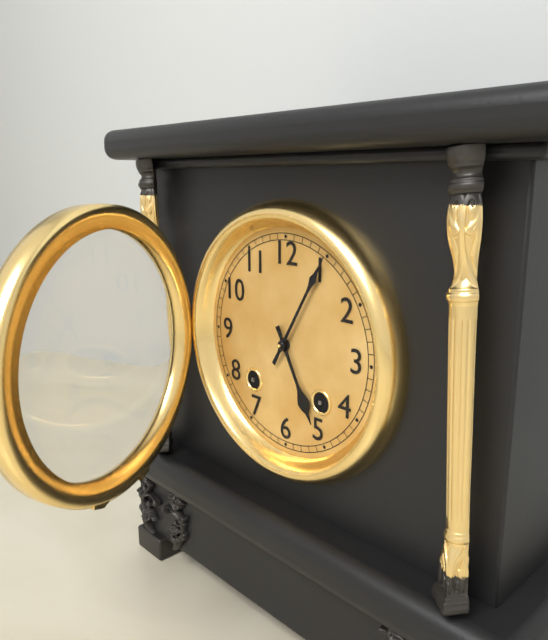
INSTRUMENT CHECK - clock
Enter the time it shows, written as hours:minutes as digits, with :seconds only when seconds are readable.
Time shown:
5:05
